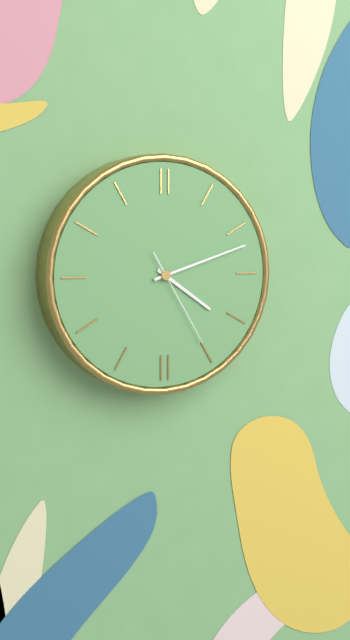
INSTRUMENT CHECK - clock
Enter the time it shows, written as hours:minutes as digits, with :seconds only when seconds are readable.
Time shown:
4:12:25
